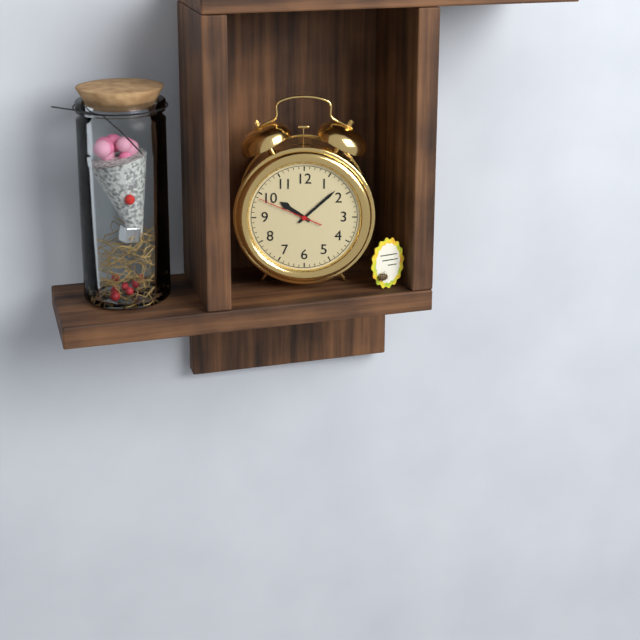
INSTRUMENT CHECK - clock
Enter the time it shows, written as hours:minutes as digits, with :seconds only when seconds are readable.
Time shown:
10:08:49
